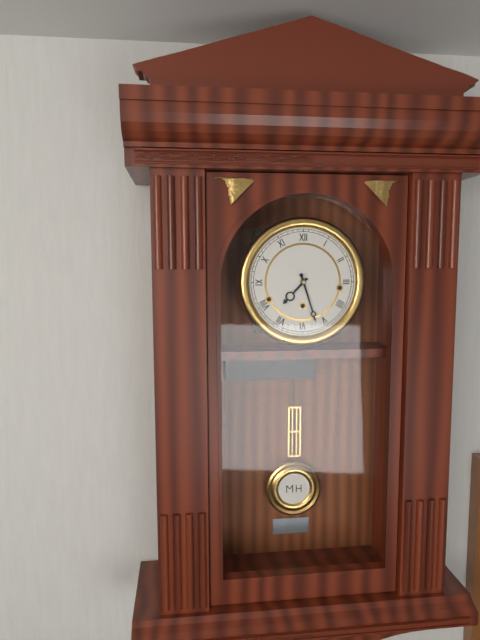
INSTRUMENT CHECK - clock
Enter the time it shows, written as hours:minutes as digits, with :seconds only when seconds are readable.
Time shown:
7:27
